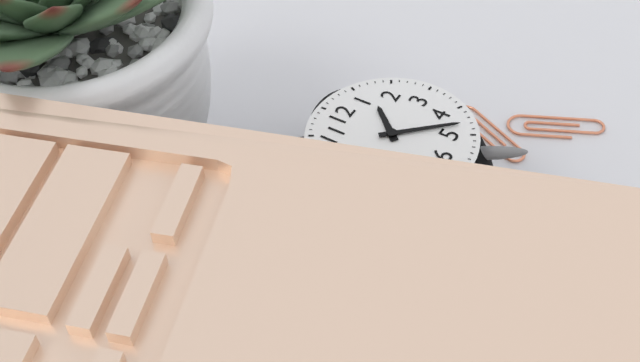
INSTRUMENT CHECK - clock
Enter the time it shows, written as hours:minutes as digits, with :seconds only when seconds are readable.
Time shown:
1:23
